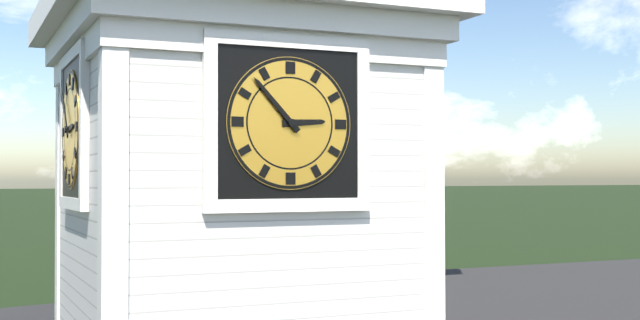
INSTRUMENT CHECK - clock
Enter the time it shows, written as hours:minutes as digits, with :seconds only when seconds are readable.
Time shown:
2:53
